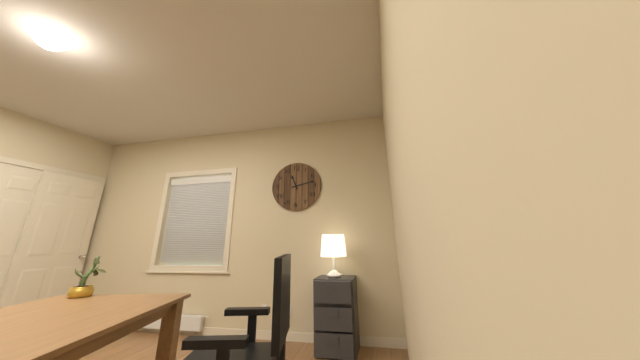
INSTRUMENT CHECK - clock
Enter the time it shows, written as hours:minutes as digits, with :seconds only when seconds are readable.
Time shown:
11:13
